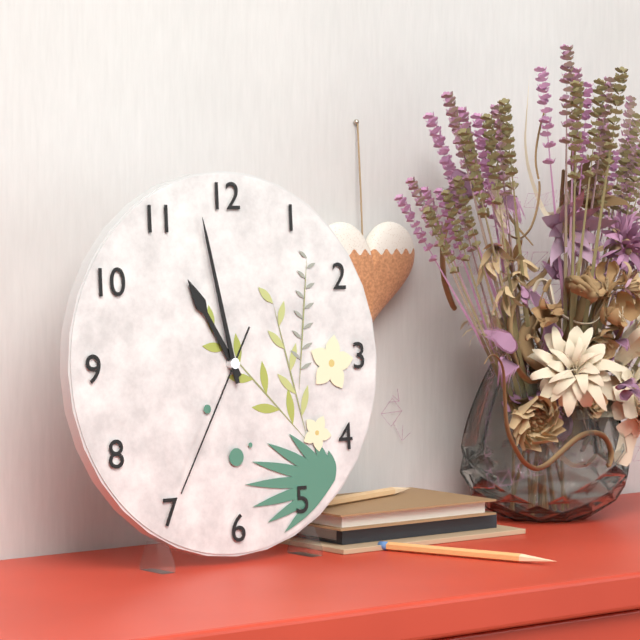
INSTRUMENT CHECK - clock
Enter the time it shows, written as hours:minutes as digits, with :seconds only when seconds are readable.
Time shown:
10:58:35
